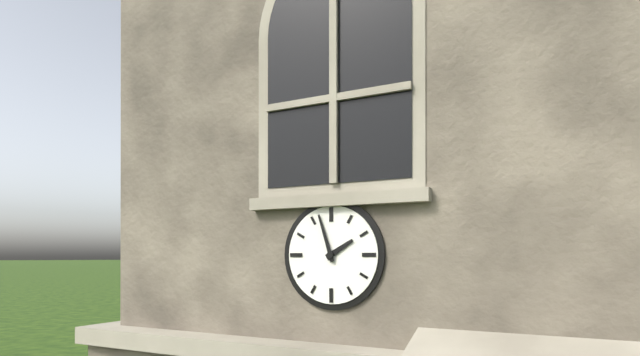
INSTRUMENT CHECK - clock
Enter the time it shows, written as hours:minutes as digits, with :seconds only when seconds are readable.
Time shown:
1:57
